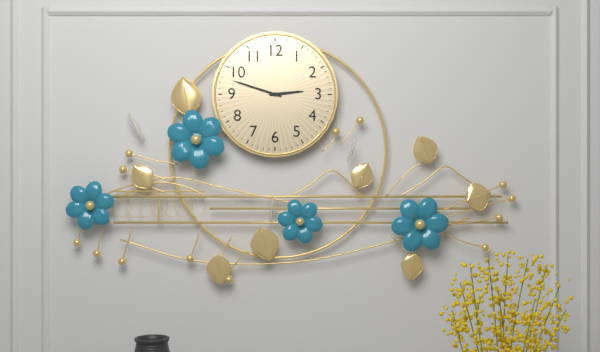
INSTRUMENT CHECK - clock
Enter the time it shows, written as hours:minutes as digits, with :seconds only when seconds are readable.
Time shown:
2:48
